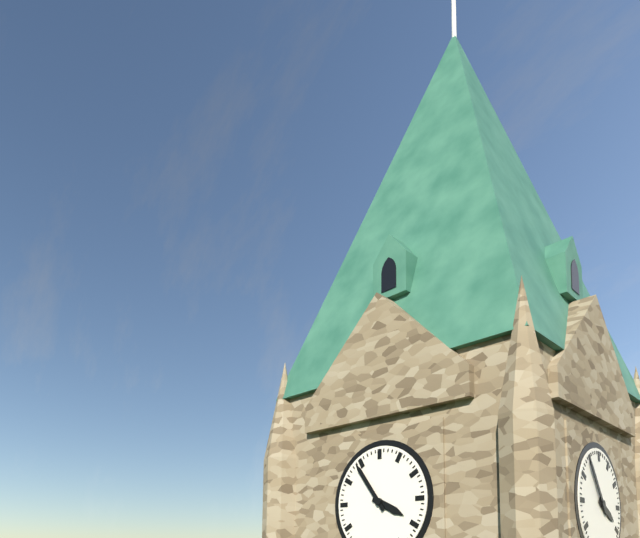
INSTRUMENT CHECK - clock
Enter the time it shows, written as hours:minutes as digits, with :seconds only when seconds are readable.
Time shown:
3:54
